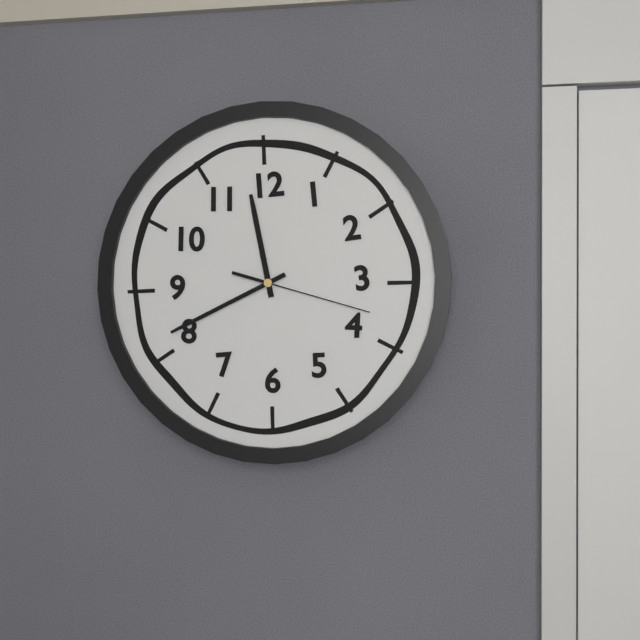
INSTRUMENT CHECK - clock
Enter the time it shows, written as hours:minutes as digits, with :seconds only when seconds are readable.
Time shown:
11:41:18
